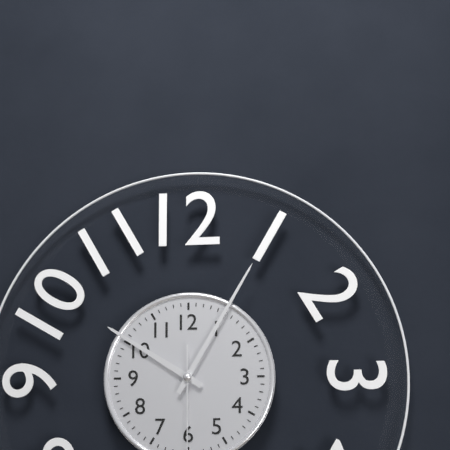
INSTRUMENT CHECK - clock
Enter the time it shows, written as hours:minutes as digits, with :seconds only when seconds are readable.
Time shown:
10:05
